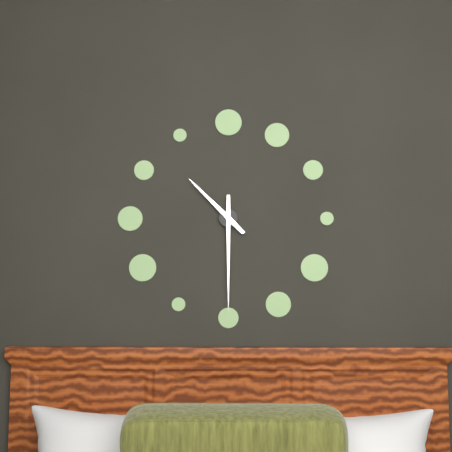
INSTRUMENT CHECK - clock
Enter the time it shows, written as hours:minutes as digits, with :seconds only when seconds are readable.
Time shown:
10:30
